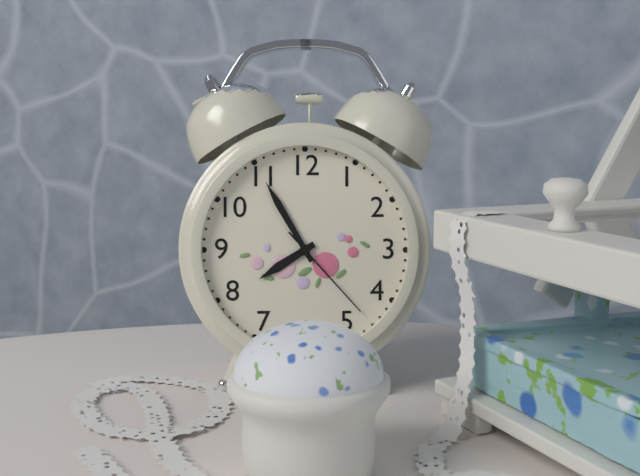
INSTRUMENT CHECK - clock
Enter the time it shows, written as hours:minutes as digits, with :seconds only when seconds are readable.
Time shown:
7:55:23
